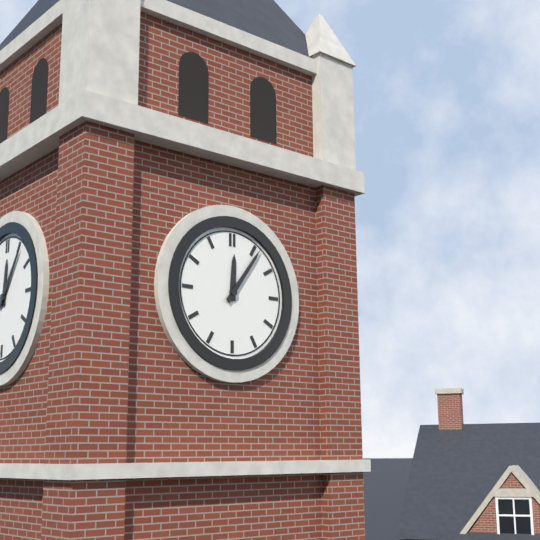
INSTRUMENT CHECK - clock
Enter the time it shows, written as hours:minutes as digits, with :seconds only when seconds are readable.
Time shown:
12:06
